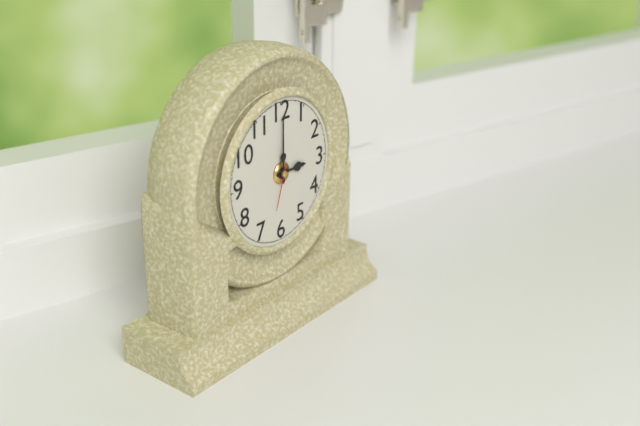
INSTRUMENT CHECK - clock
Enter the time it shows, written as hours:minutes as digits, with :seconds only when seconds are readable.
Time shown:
3:00
